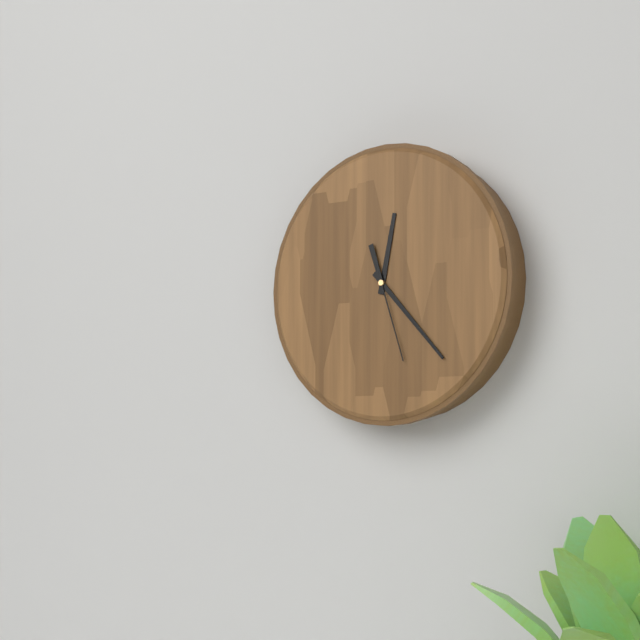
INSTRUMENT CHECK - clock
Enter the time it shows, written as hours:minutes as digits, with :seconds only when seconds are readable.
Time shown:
12:23:27
